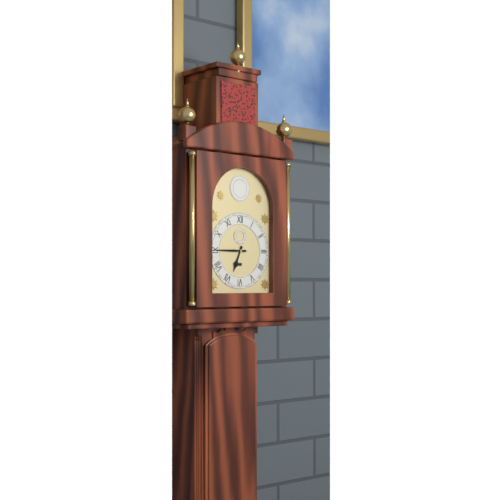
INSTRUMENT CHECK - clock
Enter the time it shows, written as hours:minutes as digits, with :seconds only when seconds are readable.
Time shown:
6:45
